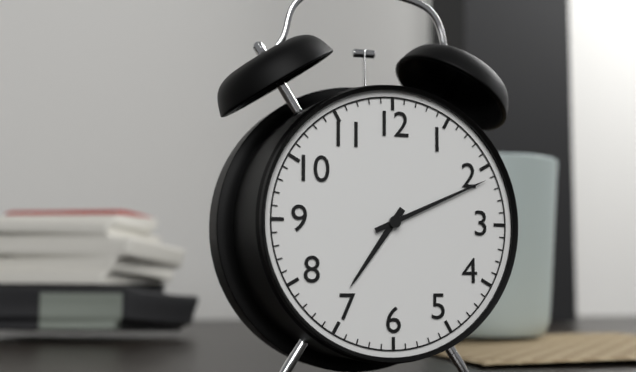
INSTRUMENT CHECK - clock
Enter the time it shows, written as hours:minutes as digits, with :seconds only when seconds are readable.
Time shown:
7:11
